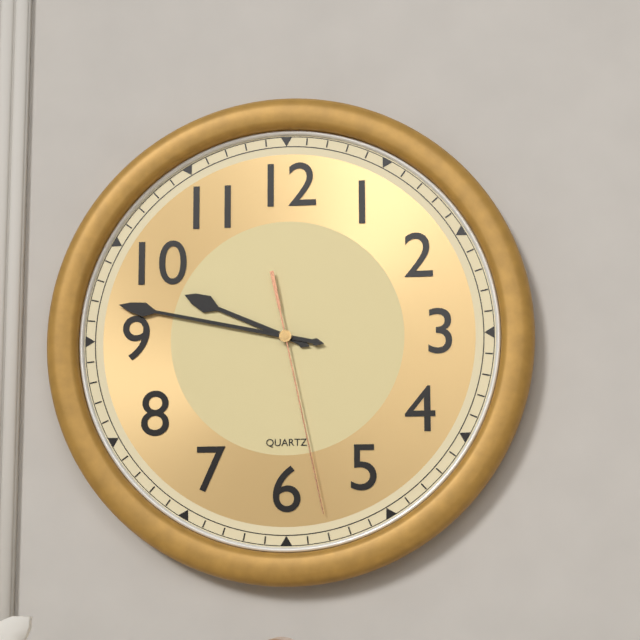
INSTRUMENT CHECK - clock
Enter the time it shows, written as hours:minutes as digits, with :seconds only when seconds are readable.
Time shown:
9:47:28
